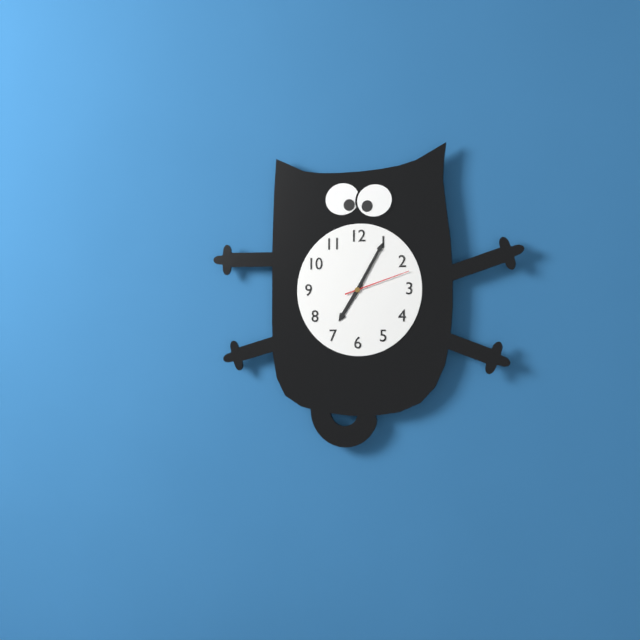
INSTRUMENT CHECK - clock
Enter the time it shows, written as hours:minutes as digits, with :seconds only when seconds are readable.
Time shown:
7:05:12
